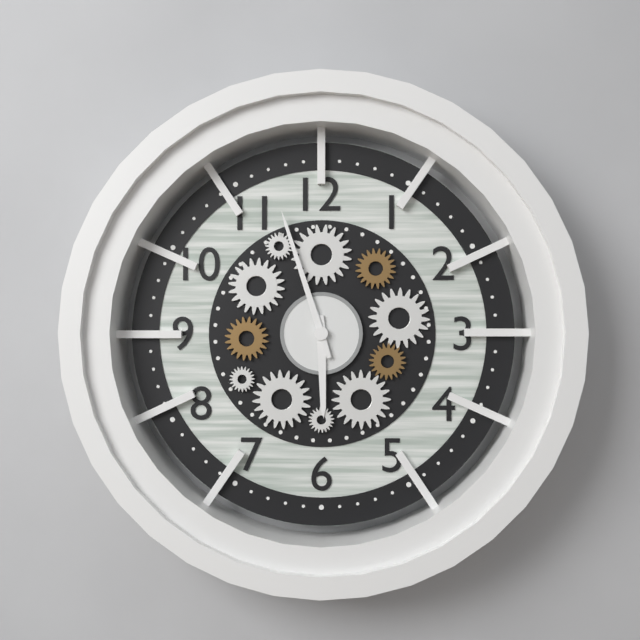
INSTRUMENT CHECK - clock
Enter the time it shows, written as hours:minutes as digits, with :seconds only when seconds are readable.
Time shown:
5:57
